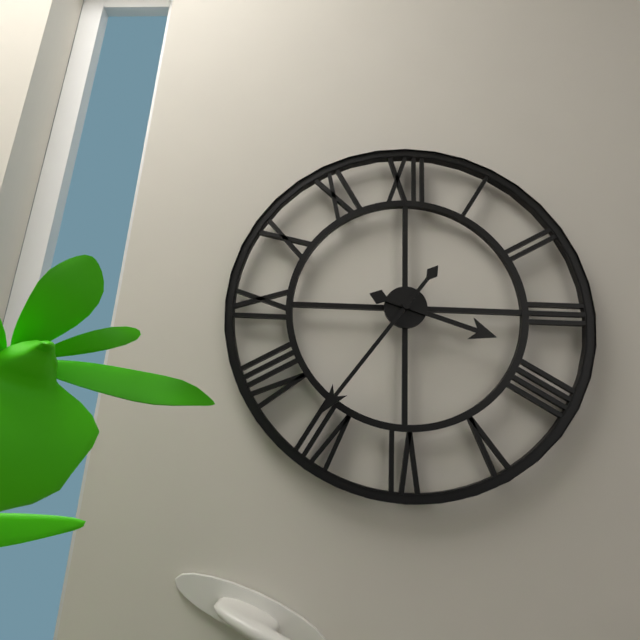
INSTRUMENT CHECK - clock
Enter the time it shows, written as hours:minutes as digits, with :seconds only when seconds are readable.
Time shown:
3:36
